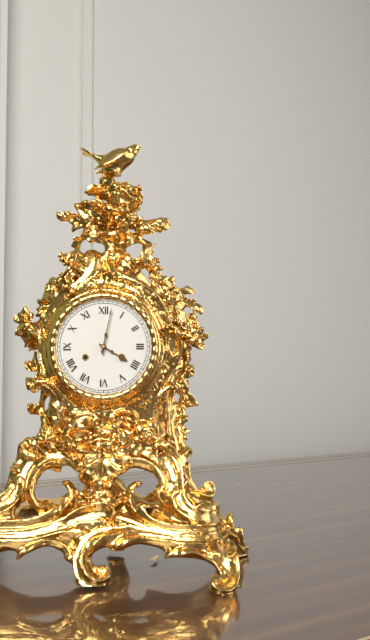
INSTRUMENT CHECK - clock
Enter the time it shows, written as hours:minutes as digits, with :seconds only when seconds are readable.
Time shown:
4:02
